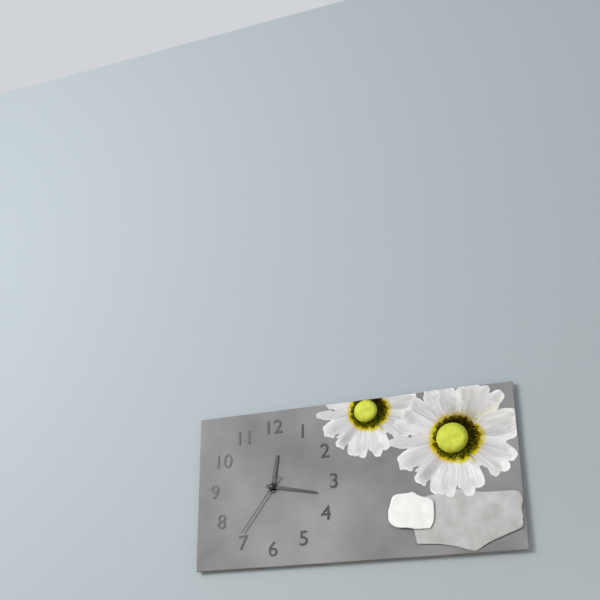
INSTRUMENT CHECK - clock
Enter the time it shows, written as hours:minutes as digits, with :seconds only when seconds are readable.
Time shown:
12:17:36
